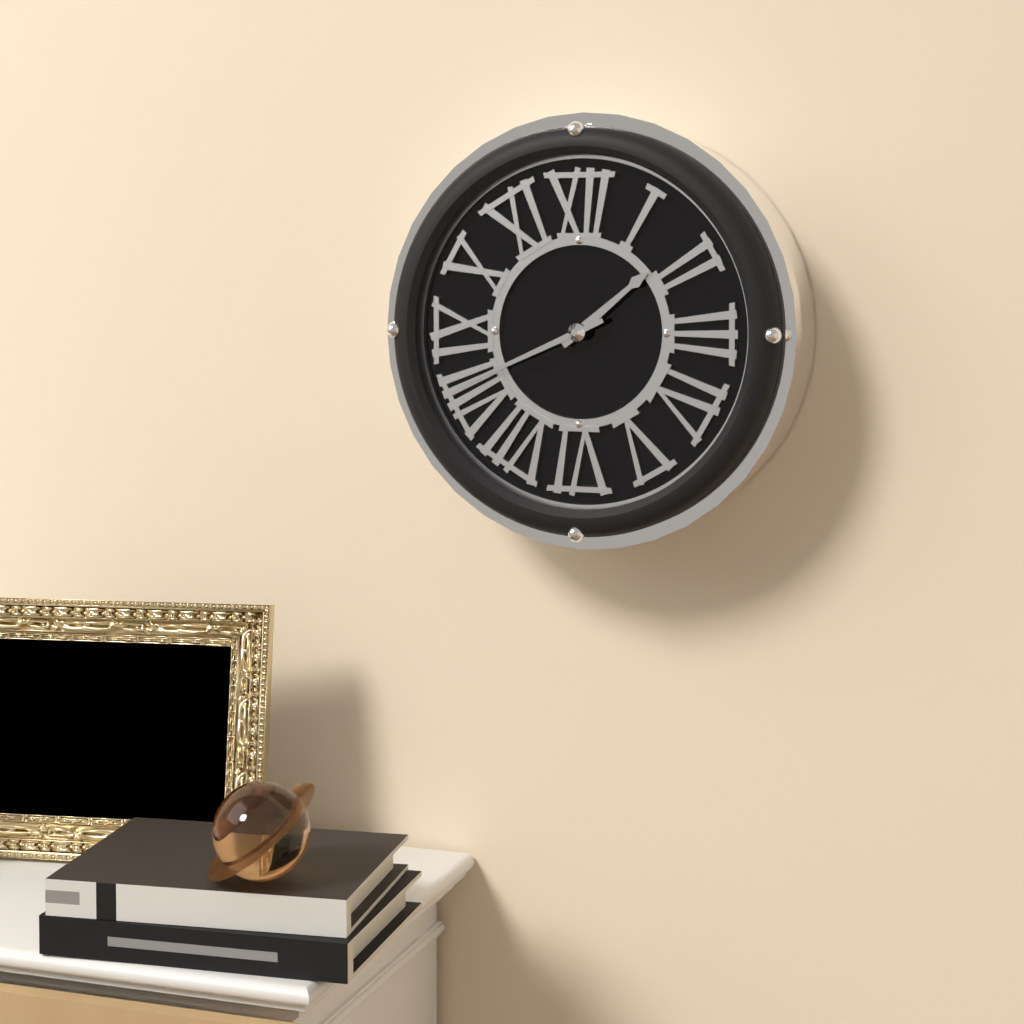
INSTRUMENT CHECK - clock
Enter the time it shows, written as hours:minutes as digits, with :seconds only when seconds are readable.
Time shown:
1:41
